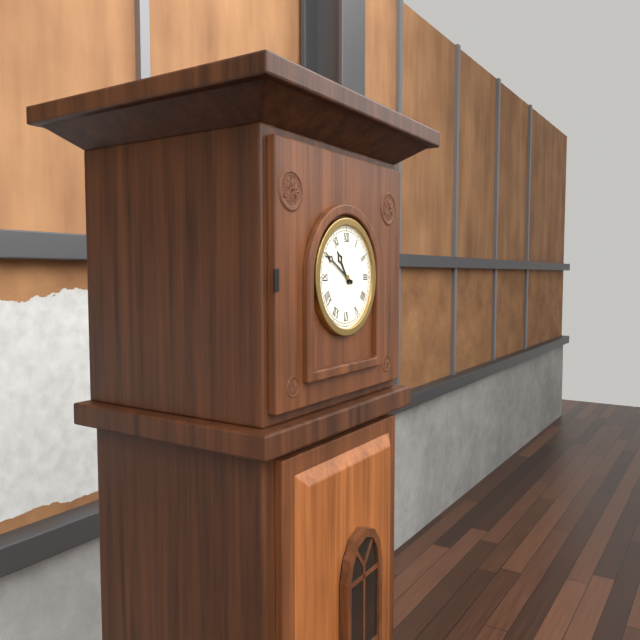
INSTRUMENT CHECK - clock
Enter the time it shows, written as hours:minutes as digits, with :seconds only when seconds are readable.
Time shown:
10:50
